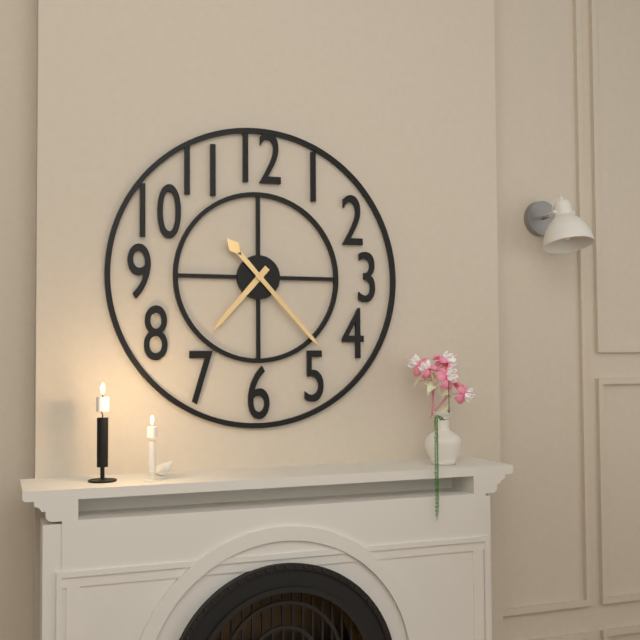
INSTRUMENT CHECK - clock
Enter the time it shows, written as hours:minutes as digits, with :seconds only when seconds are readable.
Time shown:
7:23
